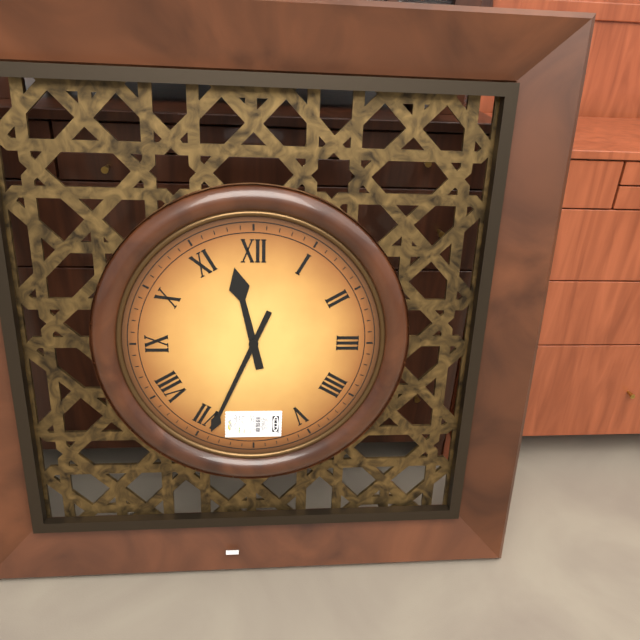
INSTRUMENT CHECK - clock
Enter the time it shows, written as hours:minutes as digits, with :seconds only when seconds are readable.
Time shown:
11:34
